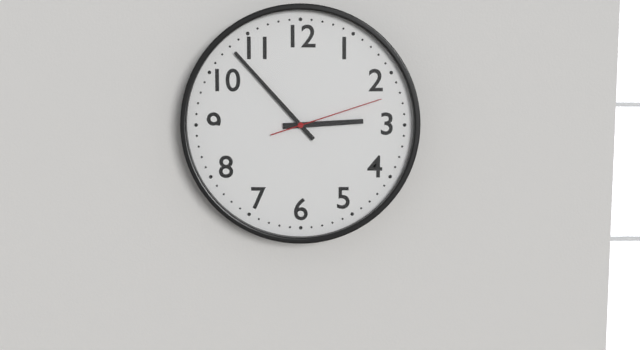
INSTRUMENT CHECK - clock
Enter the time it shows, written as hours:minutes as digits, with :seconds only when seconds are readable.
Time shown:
2:53:12
